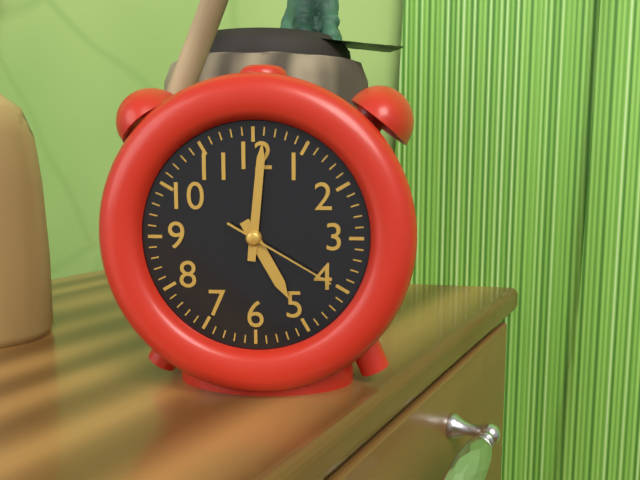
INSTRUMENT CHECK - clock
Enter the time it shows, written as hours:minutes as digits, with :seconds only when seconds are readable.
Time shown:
5:01:20
